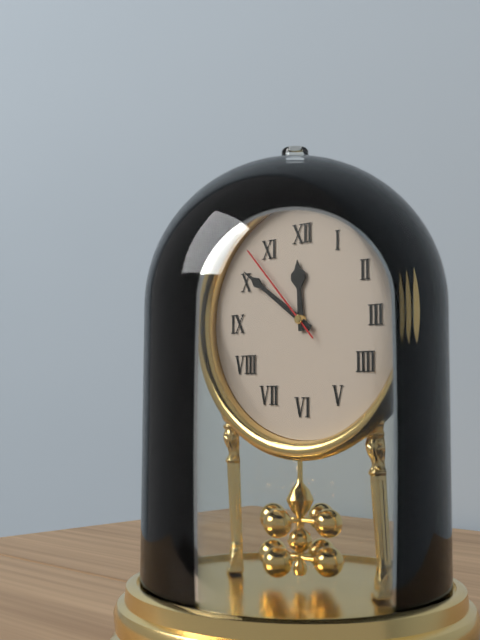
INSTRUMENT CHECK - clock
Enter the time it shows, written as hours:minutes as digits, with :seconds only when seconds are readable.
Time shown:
11:51:53
